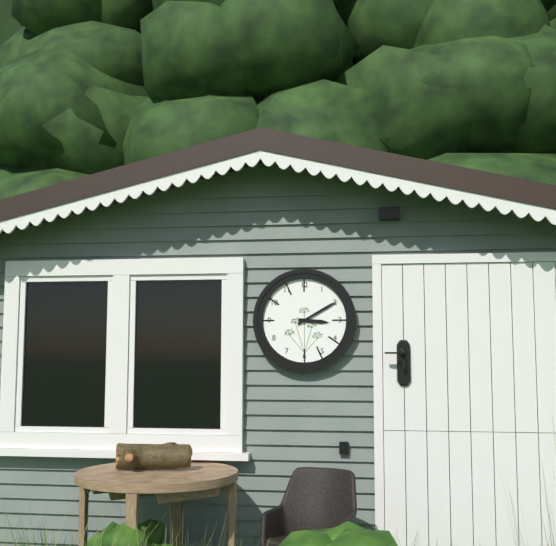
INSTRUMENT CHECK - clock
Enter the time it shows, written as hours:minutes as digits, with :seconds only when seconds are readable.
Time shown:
3:10
